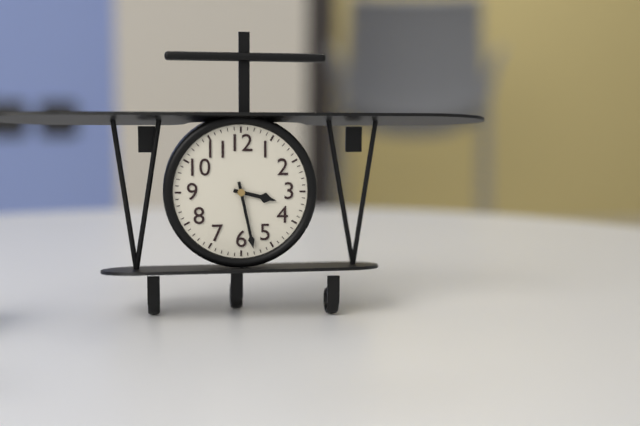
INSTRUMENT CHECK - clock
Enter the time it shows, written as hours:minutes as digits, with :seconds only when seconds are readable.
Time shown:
3:28
